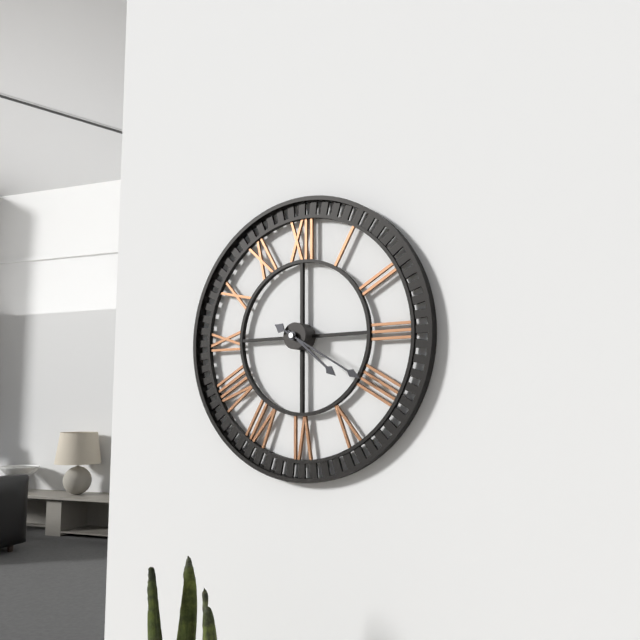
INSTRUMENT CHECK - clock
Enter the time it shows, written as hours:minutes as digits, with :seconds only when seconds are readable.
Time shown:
4:20
